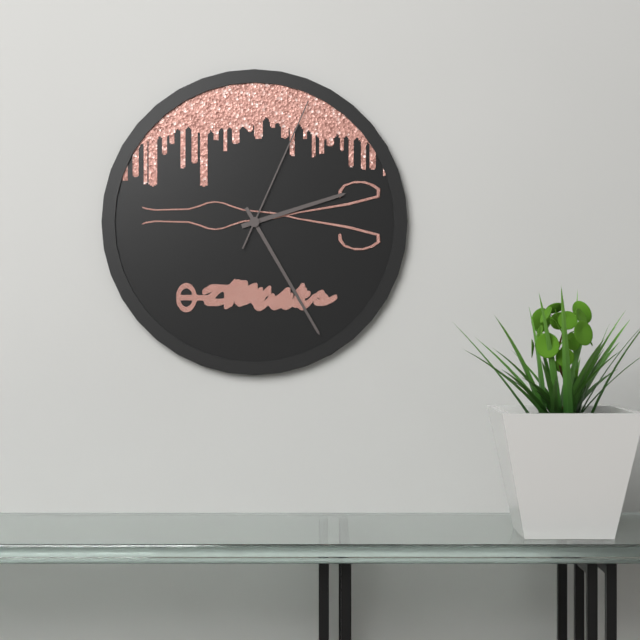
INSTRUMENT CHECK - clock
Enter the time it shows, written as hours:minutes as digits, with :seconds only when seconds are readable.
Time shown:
2:25:04
